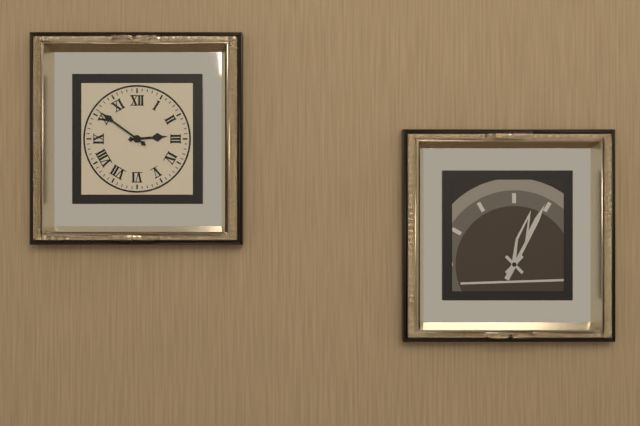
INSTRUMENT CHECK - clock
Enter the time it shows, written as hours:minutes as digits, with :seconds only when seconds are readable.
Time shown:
2:51
